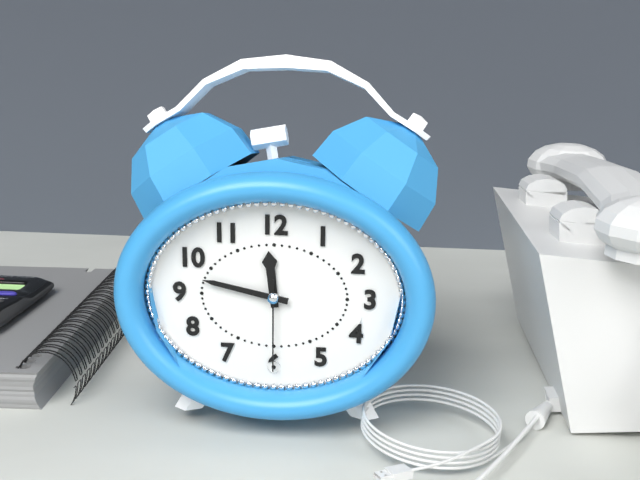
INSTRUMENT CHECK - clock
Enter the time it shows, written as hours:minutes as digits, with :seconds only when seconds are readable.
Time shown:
11:47:30
